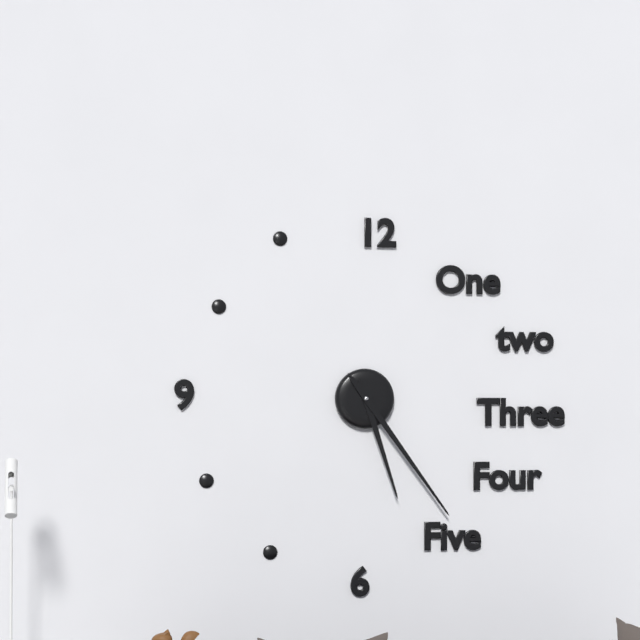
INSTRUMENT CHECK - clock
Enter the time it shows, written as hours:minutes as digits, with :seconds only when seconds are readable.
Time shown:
5:24
